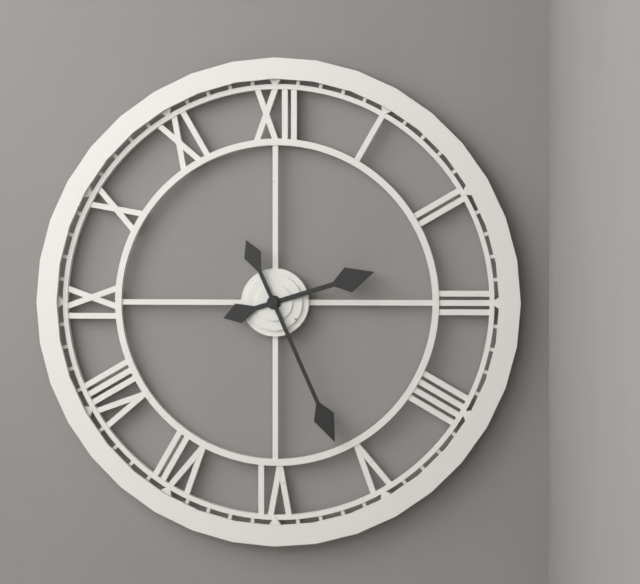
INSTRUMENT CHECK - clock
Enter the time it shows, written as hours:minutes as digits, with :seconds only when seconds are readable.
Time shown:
2:26
